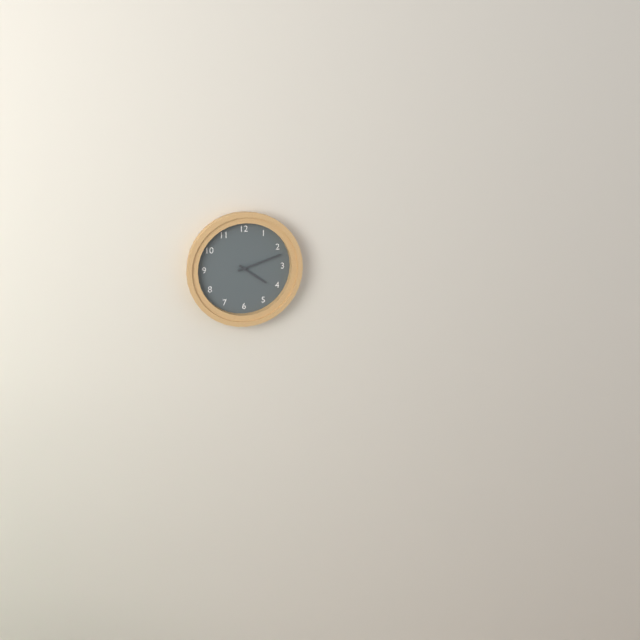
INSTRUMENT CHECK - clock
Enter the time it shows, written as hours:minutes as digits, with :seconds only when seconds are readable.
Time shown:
4:12
